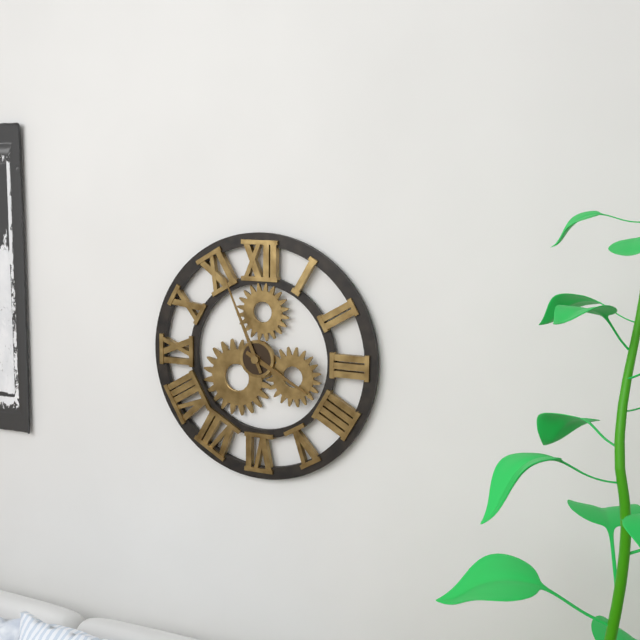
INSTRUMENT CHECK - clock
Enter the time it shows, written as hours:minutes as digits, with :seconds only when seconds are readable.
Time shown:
3:56
